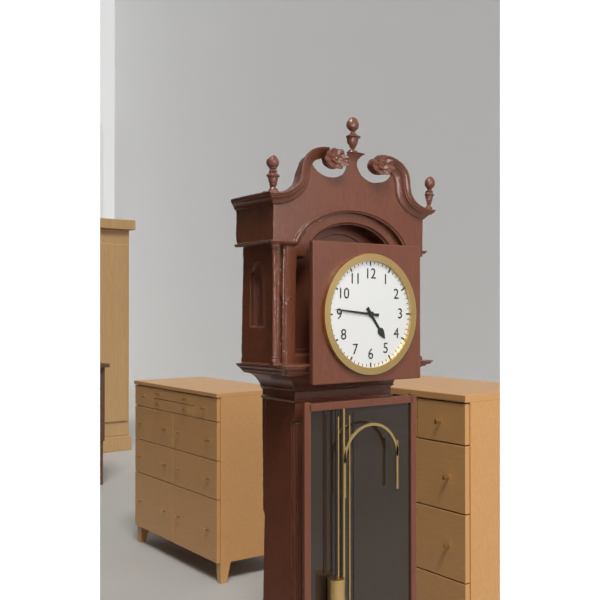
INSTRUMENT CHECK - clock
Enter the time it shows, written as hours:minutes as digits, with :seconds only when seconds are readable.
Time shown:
4:46
